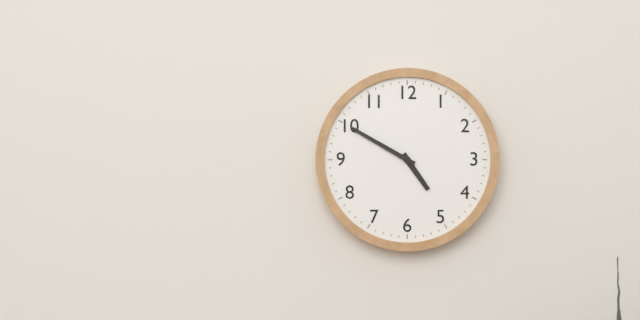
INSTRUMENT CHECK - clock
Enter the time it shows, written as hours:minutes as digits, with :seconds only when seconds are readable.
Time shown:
4:50
